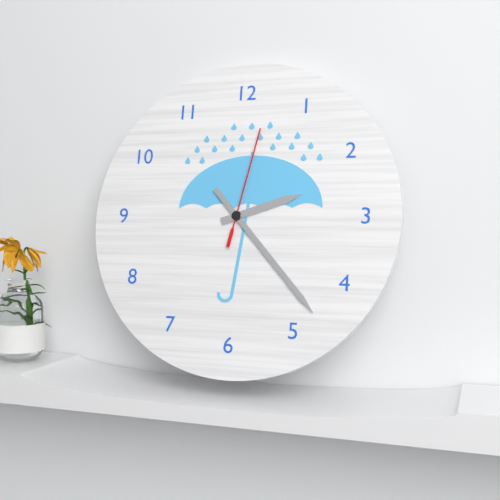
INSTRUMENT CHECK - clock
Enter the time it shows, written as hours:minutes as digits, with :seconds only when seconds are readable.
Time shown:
2:23:02
